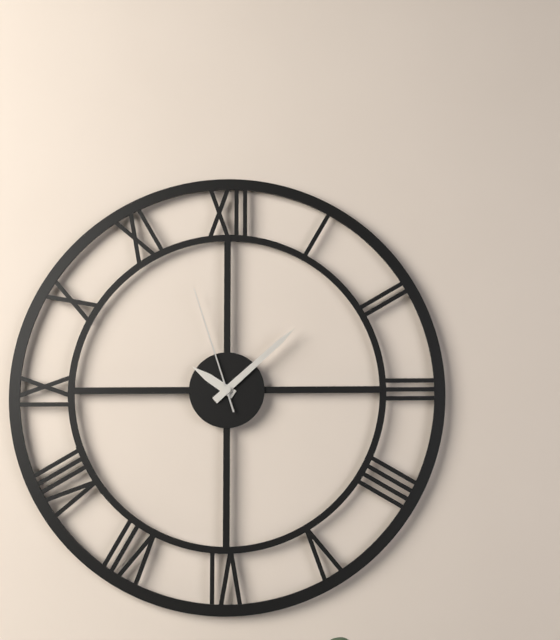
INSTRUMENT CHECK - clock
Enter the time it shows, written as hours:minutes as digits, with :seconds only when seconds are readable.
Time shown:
10:08:57
